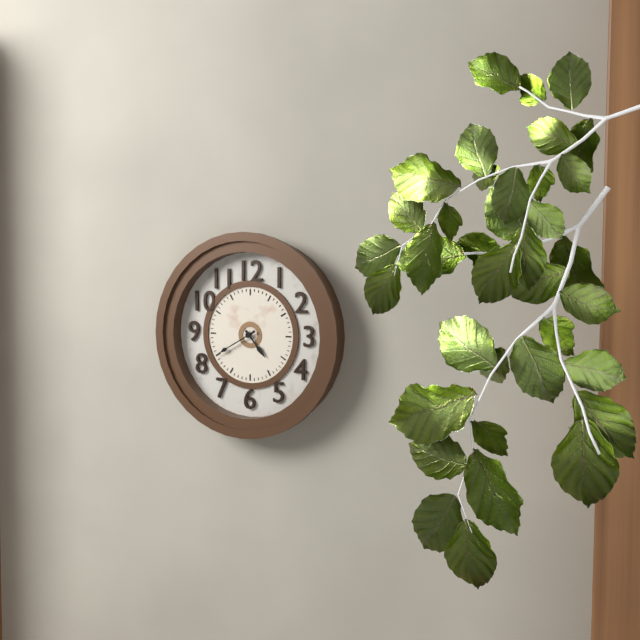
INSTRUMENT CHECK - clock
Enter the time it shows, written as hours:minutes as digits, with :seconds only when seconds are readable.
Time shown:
4:40
